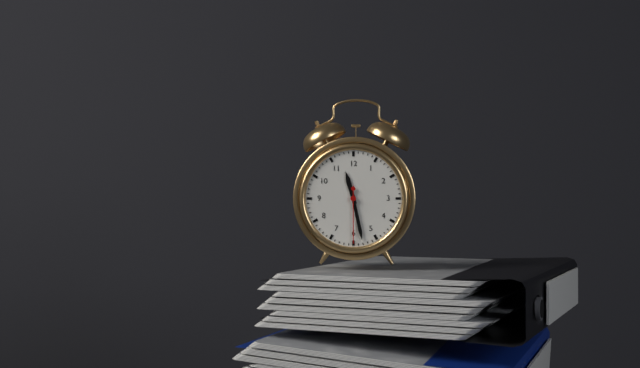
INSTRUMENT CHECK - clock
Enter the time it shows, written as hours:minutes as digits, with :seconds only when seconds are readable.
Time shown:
11:28:30
